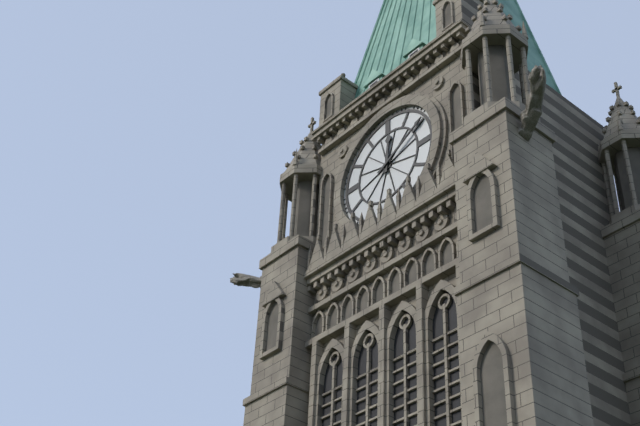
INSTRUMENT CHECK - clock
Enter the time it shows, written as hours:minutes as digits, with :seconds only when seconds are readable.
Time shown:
12:10
